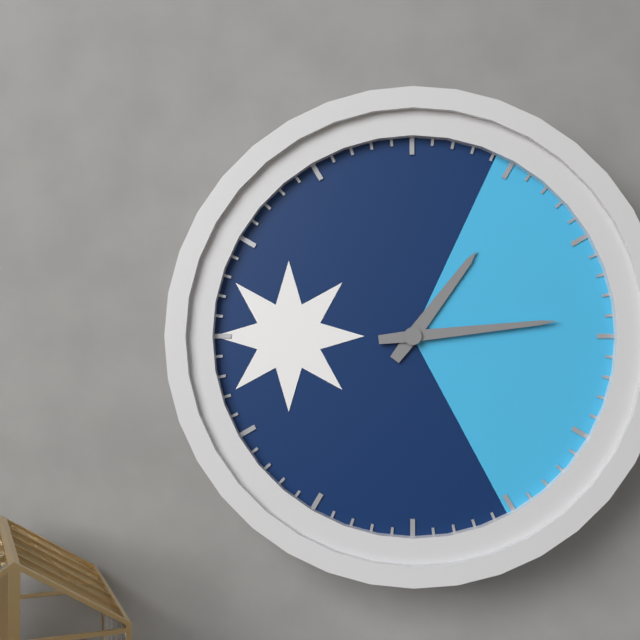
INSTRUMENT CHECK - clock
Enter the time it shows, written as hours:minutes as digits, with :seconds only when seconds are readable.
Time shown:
1:14
